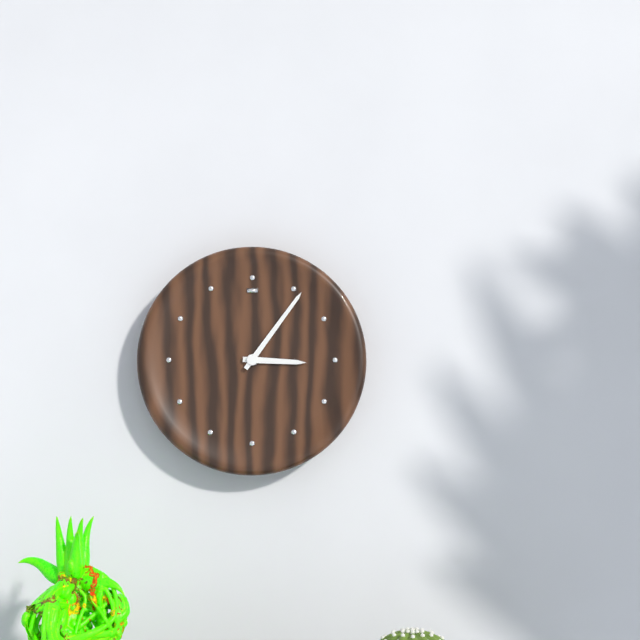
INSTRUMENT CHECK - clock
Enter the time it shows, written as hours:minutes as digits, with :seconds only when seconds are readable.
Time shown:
3:06
